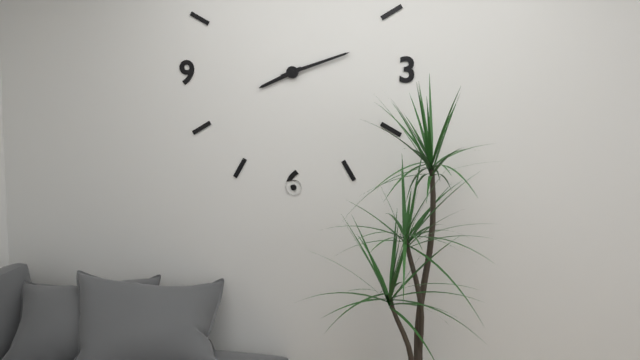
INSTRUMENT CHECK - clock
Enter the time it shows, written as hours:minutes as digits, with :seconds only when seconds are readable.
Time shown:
8:12
